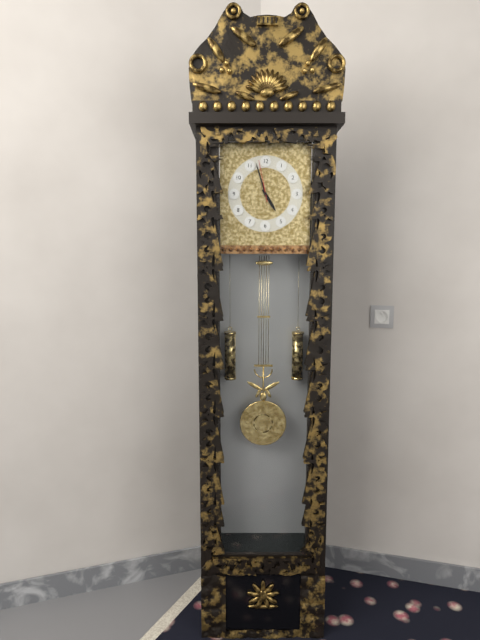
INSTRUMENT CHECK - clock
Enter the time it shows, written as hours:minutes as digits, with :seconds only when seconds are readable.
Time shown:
4:57
